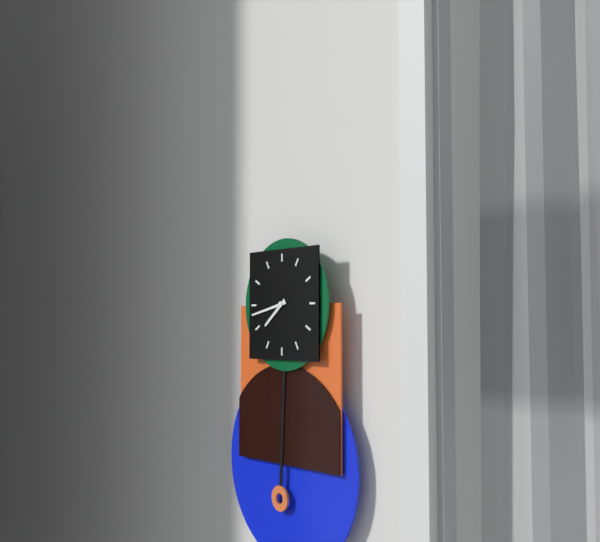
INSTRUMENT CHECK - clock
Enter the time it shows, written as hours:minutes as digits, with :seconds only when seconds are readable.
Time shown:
7:43
